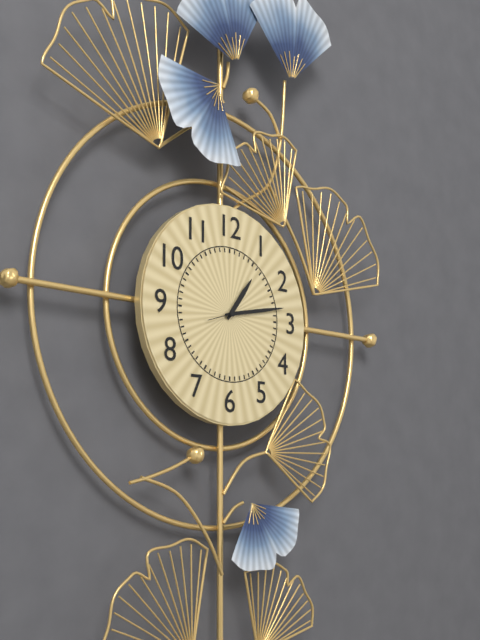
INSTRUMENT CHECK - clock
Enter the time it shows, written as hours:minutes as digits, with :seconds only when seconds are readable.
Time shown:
1:13
